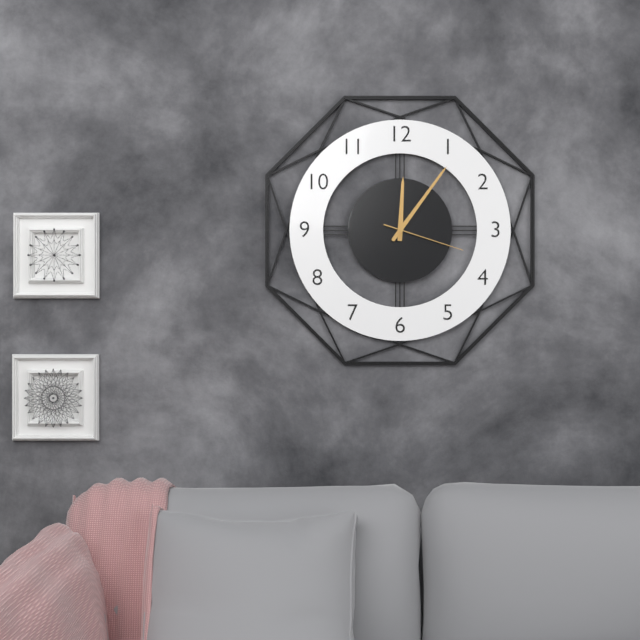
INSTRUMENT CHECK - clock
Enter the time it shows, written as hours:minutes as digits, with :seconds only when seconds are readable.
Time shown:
12:06:18
